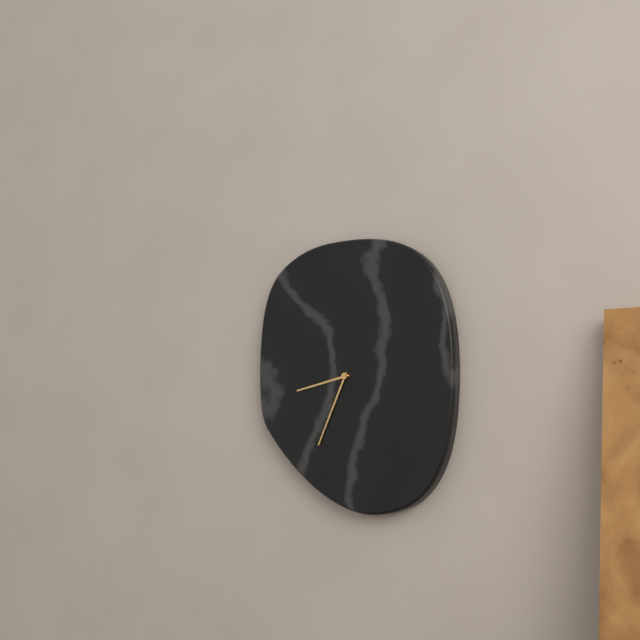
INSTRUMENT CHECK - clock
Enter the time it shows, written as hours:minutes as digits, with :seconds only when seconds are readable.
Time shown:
8:34
